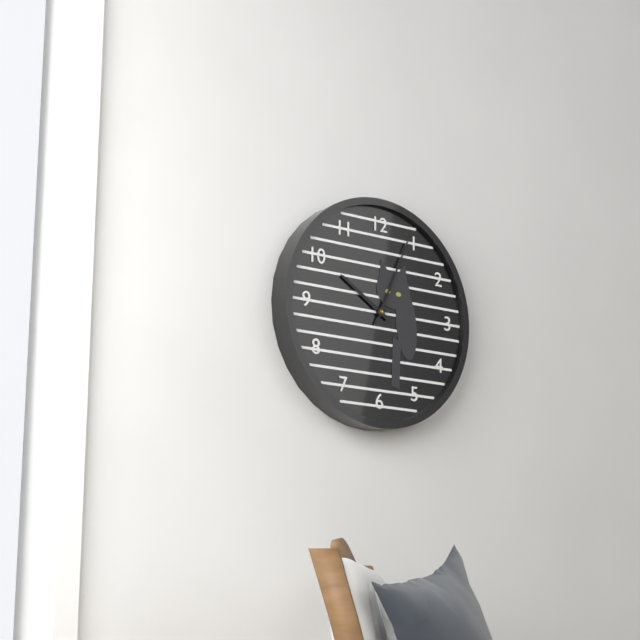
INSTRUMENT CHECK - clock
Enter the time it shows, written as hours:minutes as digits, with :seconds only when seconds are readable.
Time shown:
10:04
